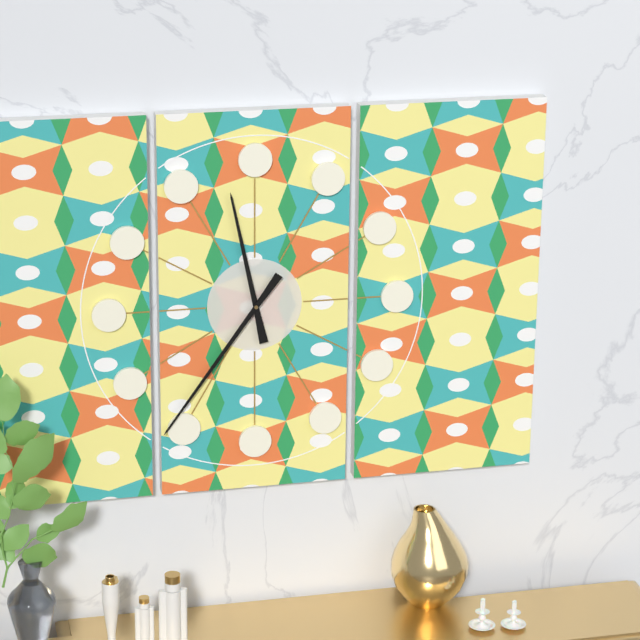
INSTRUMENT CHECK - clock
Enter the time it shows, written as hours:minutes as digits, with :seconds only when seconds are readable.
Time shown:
11:36
